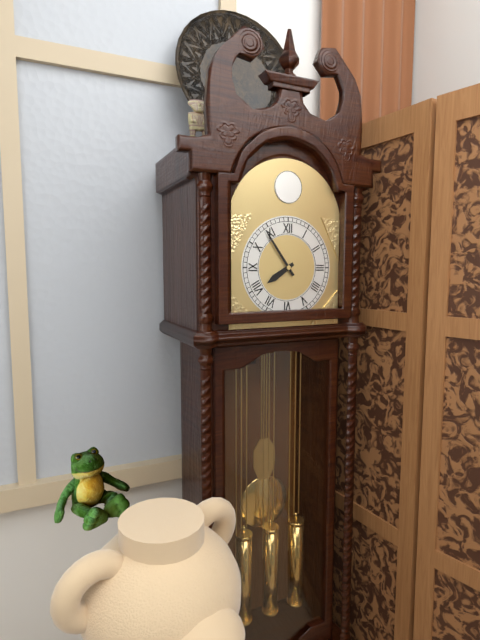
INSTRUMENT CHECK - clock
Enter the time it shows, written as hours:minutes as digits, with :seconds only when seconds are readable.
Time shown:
7:54
